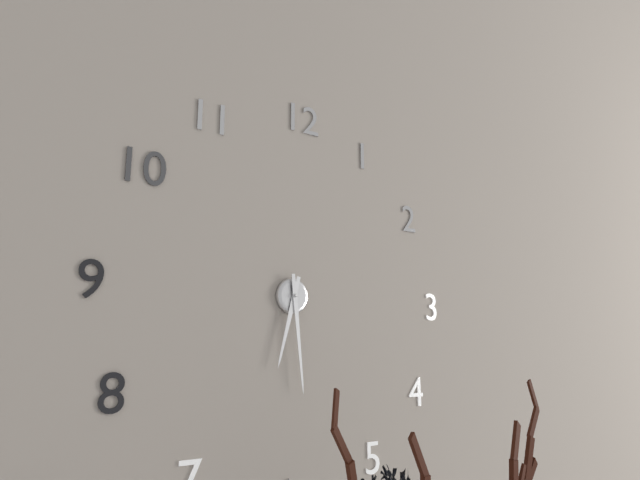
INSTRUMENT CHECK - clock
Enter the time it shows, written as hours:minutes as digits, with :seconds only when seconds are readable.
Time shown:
6:29
